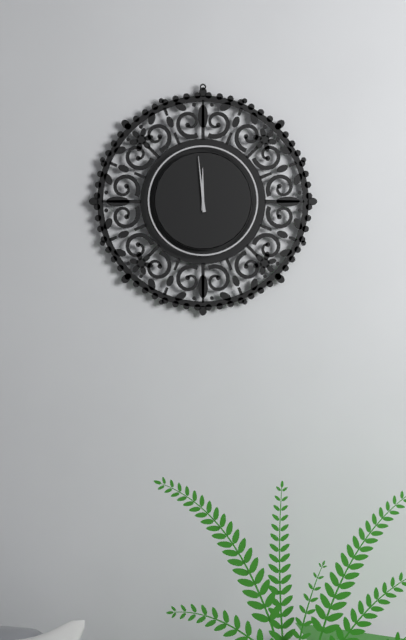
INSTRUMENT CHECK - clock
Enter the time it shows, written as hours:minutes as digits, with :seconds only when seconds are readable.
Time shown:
11:59
